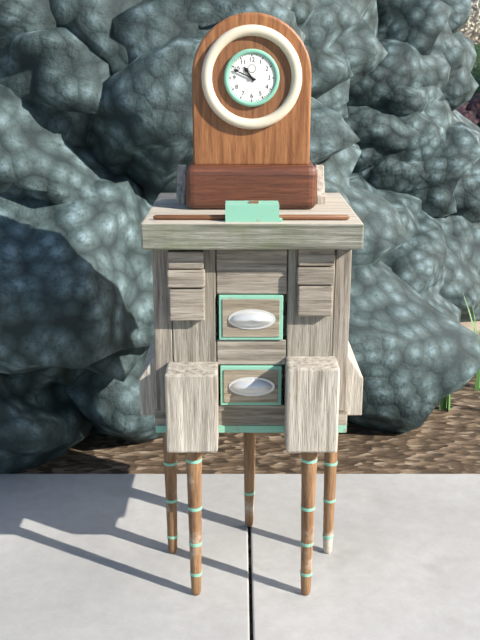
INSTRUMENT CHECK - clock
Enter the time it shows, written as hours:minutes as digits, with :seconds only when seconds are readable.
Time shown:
10:49
